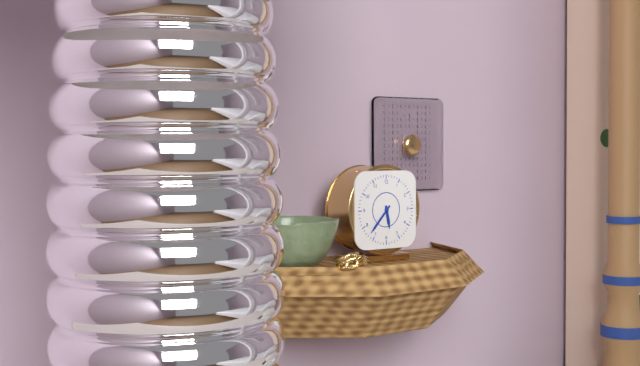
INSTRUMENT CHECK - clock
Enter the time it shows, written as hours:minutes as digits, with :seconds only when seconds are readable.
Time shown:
5:37
